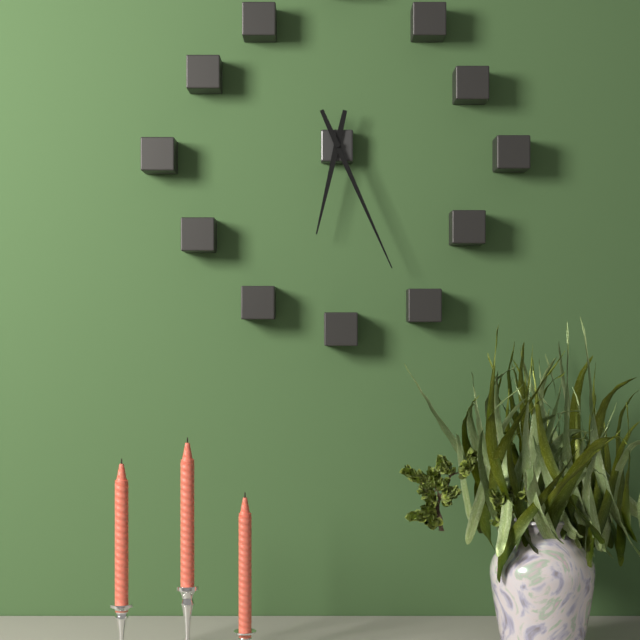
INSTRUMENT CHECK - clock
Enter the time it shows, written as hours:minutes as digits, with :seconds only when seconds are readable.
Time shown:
6:26
